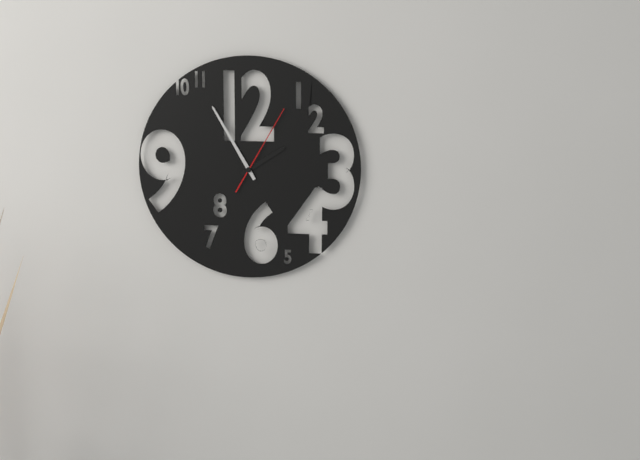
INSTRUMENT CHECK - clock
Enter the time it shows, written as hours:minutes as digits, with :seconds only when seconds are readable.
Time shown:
1:55:05
